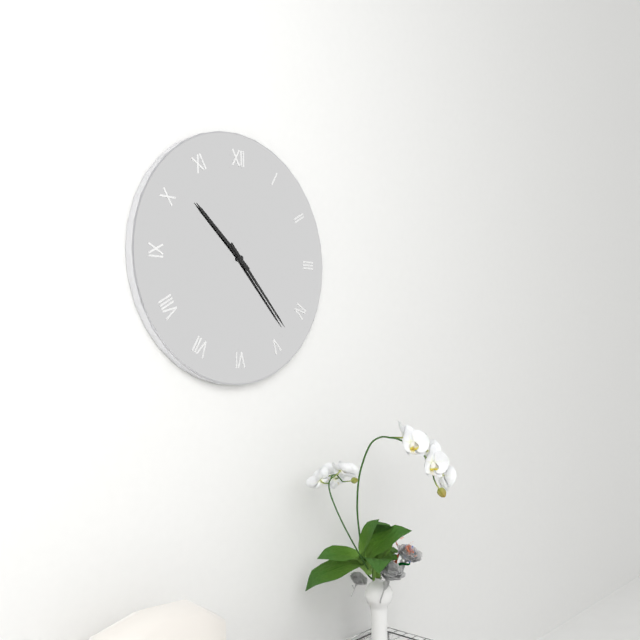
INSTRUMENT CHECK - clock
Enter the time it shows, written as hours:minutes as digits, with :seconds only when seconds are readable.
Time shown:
10:23
